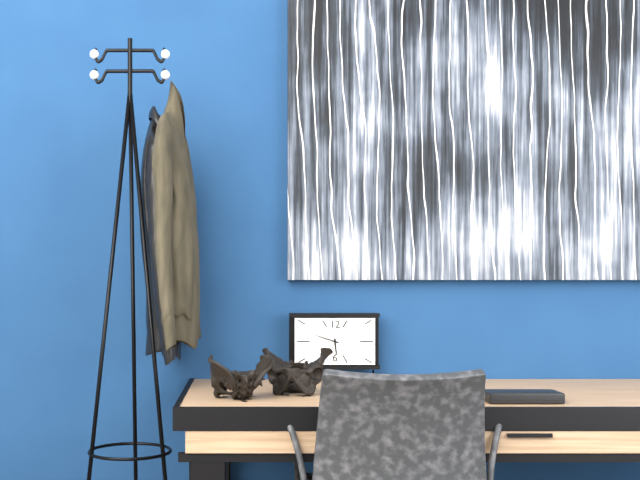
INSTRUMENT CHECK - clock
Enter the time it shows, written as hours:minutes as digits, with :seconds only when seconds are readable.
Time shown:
5:48
